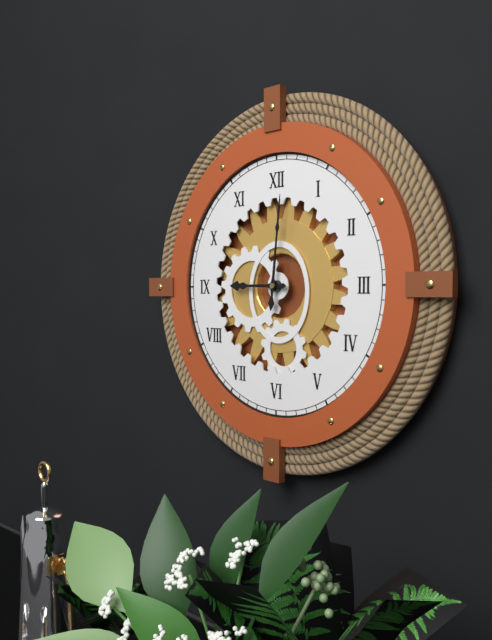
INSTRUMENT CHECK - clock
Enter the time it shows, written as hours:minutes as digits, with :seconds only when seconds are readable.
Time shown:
9:01
